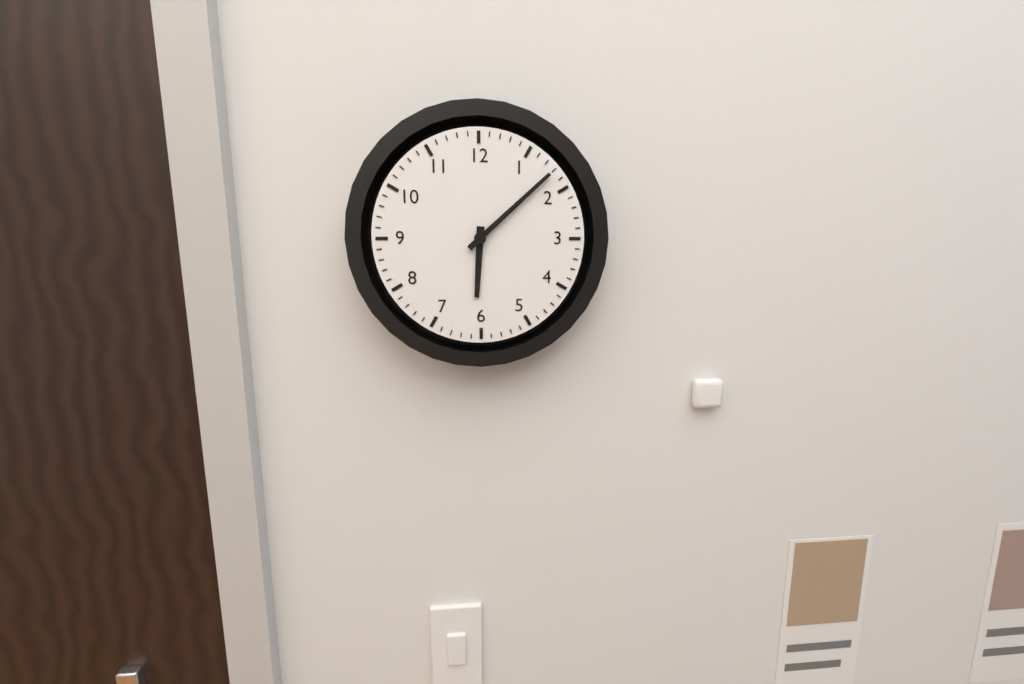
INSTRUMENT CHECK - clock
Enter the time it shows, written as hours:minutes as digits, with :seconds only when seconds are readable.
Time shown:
6:08
